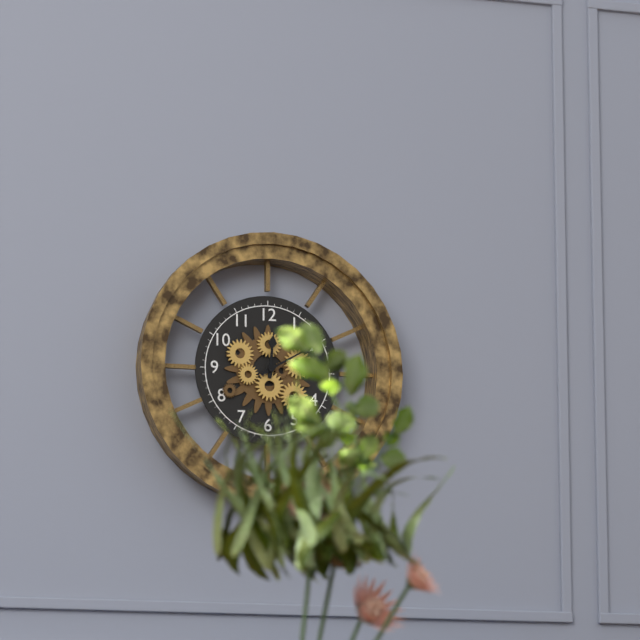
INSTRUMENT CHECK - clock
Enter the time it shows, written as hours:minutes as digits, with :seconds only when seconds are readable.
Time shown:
12:10
